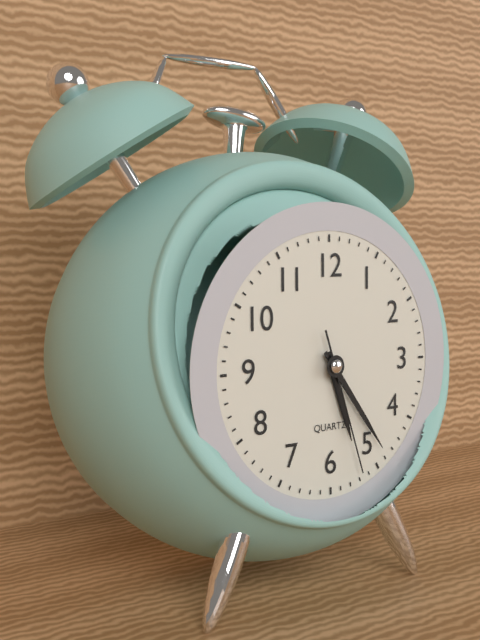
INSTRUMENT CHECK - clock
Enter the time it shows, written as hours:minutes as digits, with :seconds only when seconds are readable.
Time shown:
5:24:27
